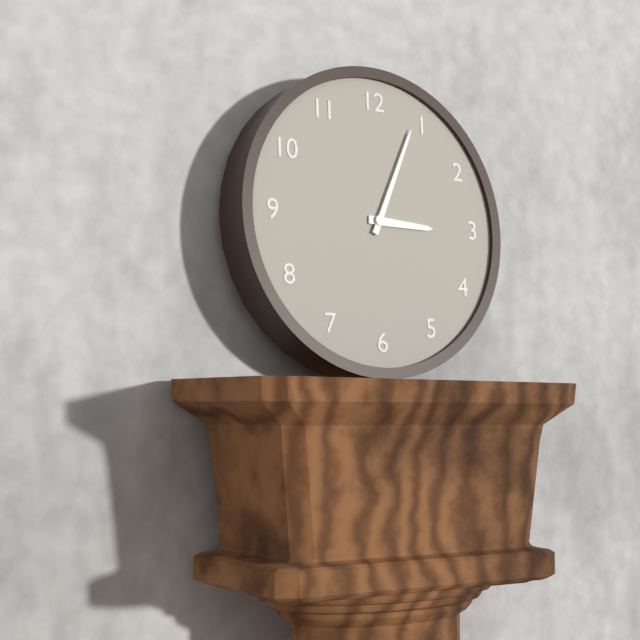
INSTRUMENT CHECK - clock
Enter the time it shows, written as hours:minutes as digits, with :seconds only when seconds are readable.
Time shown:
3:04
